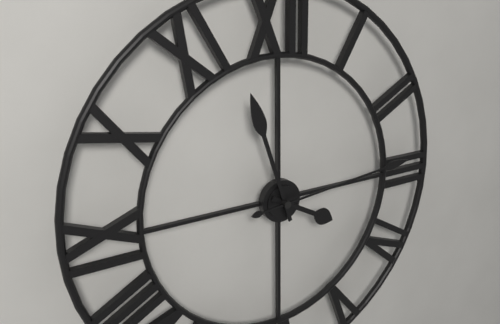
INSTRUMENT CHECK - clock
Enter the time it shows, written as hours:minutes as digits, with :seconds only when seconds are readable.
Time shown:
3:57:14
